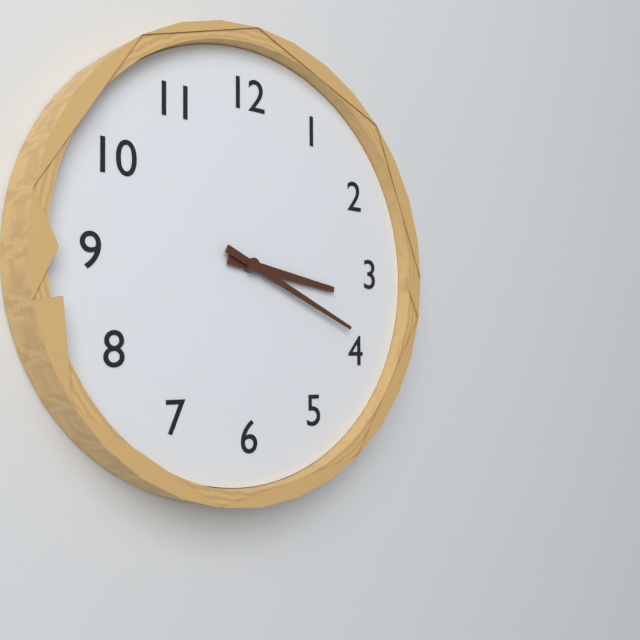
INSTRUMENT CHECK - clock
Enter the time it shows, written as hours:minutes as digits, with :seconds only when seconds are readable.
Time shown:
3:19
